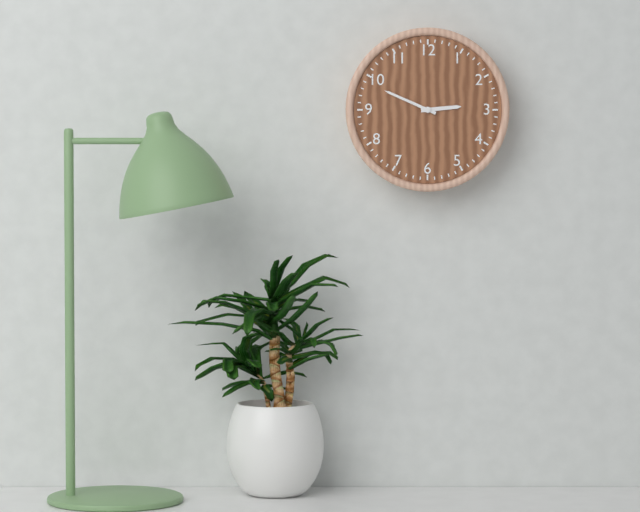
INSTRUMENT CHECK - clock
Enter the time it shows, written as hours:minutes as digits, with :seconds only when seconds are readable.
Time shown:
2:49
